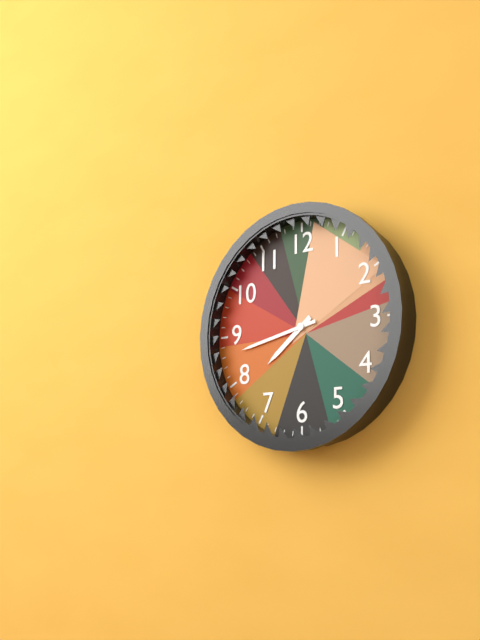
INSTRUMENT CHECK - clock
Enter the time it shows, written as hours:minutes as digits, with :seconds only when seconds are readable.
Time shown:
7:43
